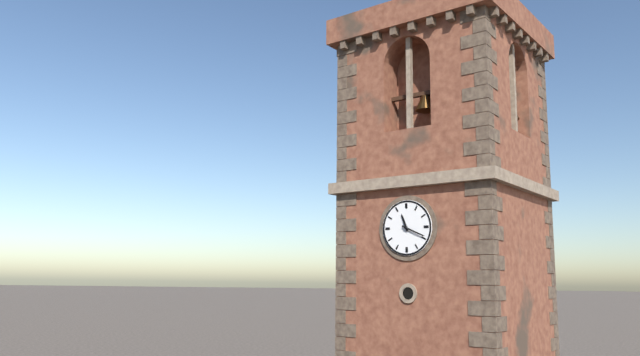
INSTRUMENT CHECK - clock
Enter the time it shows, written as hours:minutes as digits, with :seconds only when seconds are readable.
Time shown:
11:19
